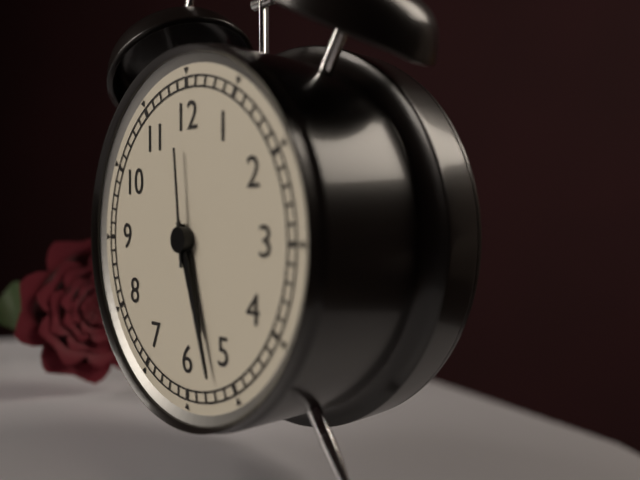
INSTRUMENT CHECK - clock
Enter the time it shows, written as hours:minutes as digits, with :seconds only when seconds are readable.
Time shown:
5:27:59
